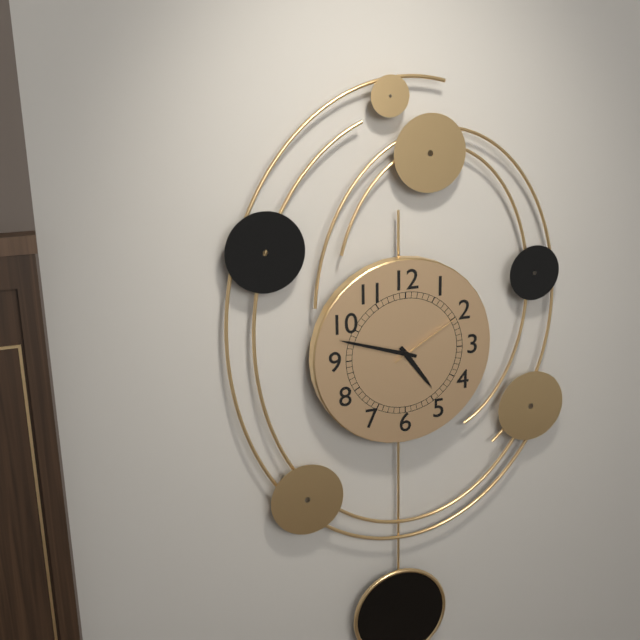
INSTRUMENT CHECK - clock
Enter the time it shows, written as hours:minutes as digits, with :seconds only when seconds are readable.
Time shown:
4:48:10
